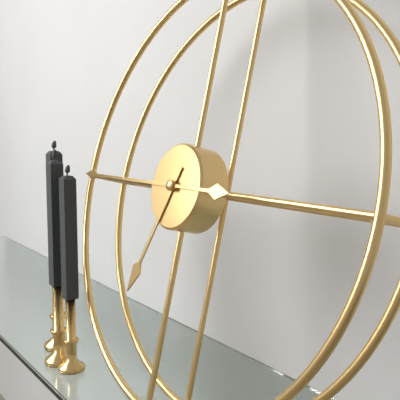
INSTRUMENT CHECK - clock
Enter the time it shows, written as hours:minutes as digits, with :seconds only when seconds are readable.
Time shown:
6:45
